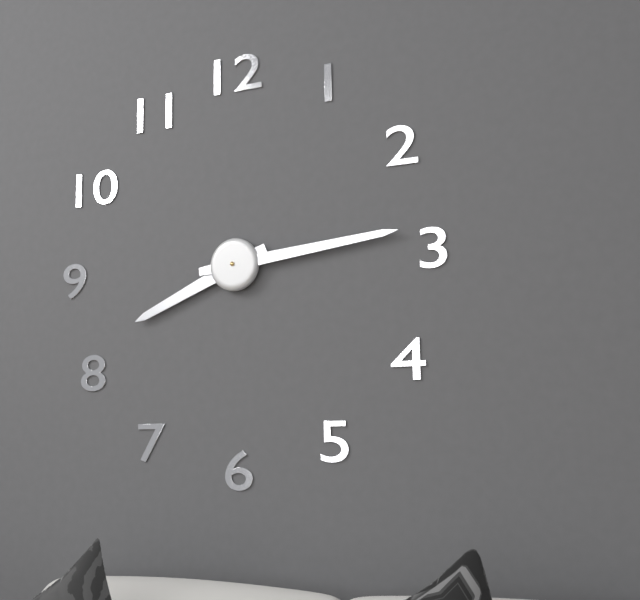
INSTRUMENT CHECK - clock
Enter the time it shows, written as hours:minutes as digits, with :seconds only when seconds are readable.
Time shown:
8:14
